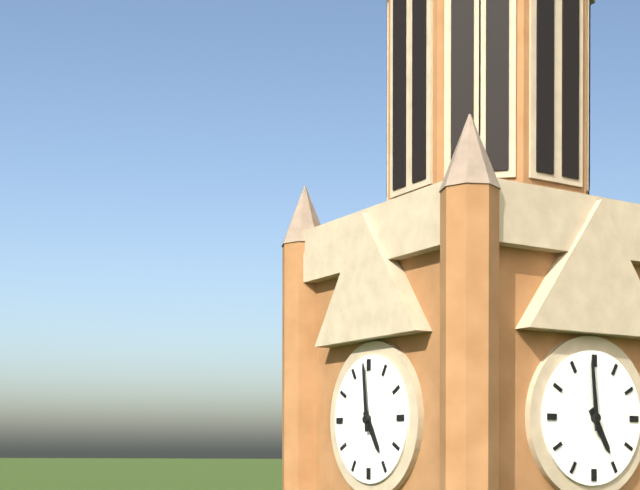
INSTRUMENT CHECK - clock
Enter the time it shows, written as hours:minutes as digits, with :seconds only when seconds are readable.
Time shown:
4:59
